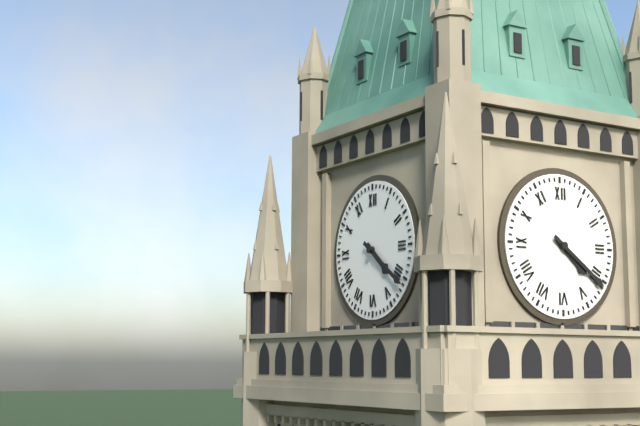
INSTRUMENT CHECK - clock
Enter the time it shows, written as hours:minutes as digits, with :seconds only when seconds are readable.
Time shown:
4:21
